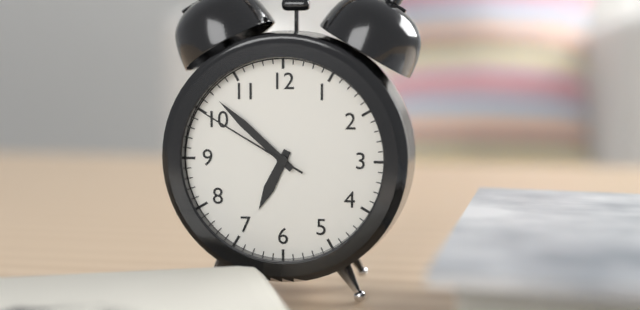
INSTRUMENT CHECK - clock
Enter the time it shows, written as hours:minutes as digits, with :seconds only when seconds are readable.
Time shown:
6:52:50
